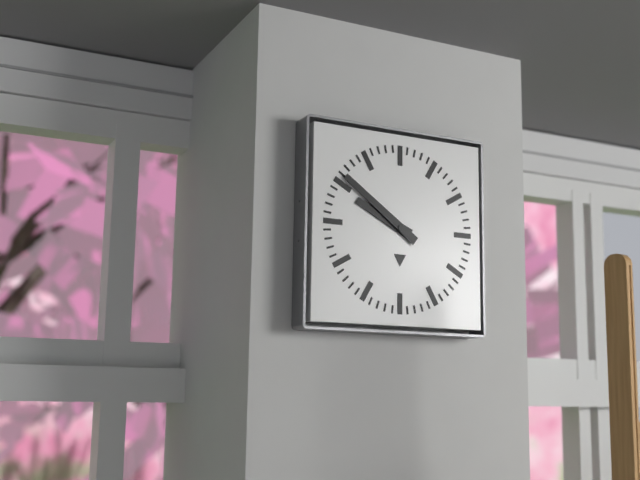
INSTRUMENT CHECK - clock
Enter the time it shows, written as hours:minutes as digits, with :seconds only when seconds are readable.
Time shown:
9:51
